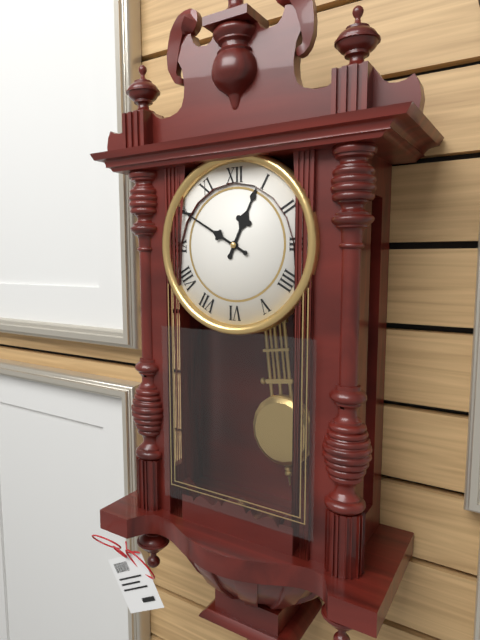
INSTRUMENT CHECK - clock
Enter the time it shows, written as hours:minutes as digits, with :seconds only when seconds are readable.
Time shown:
12:50
